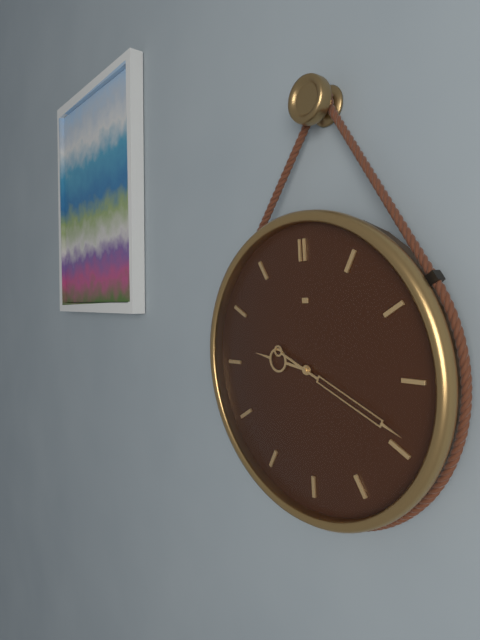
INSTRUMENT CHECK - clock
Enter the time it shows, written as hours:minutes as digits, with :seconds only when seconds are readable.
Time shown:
9:19
